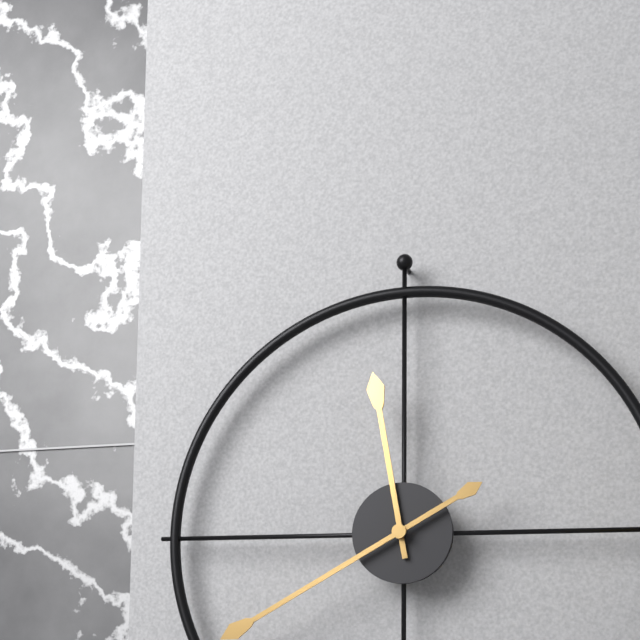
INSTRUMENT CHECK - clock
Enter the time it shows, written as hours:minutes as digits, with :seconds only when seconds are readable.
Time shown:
11:40
